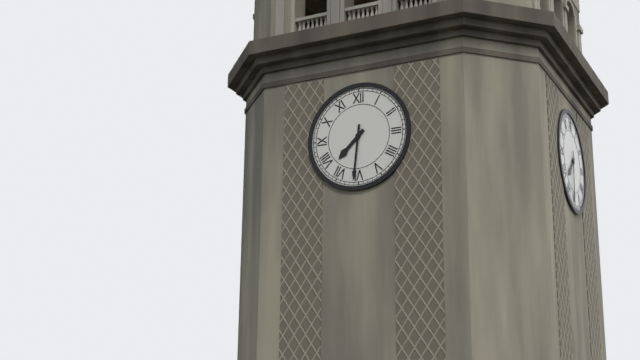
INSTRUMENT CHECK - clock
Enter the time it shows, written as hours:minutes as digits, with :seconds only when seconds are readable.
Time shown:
7:31
